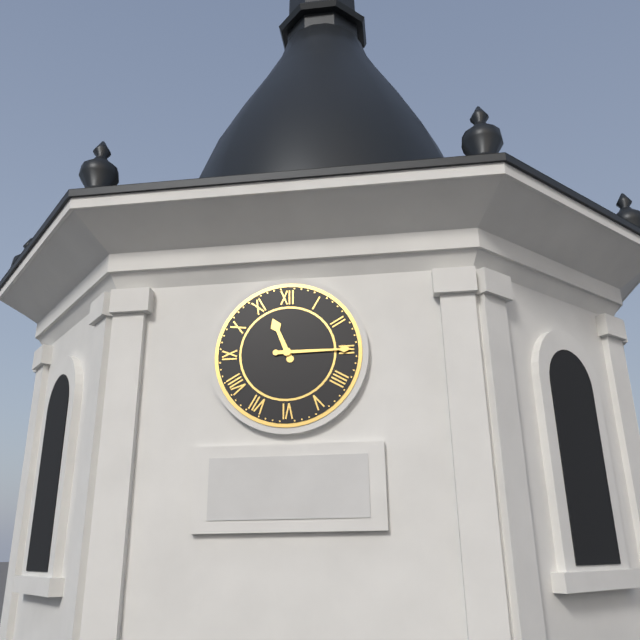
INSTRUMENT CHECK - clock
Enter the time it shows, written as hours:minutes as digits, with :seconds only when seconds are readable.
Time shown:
11:15
